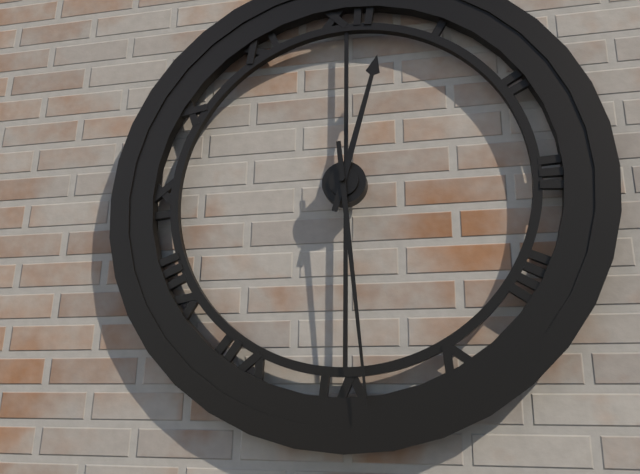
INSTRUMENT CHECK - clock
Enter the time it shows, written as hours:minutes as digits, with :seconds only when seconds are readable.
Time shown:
12:29
